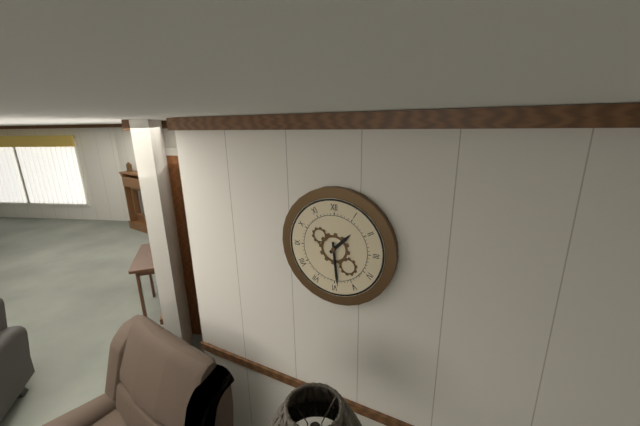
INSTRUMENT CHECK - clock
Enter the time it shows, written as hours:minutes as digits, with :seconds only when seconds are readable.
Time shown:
1:29
